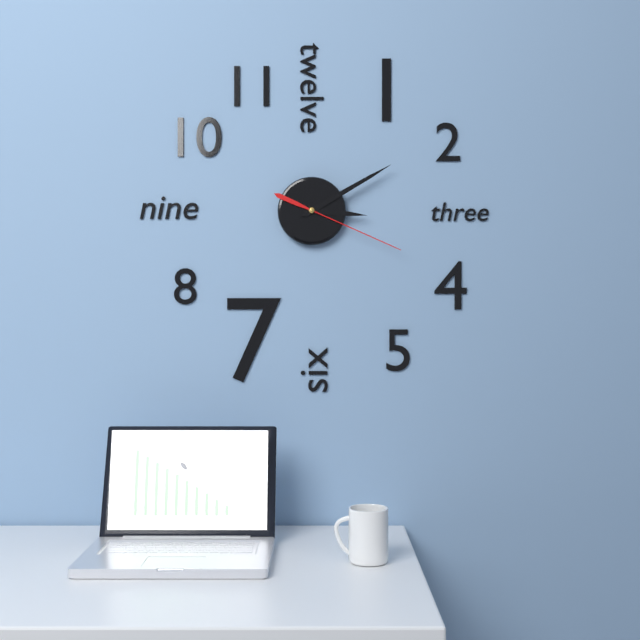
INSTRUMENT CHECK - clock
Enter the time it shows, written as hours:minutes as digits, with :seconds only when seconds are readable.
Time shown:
3:10:19
